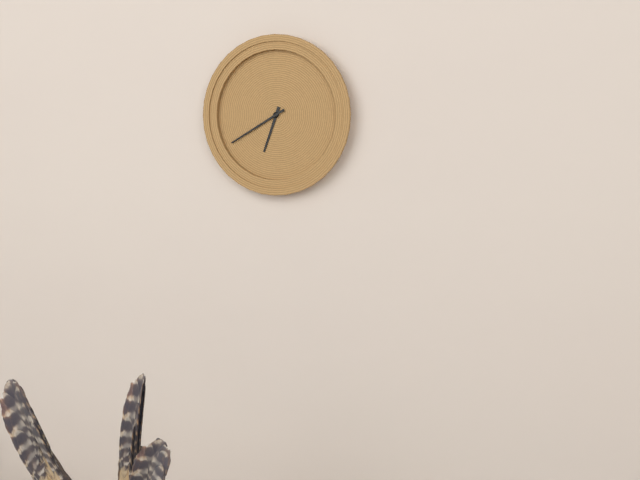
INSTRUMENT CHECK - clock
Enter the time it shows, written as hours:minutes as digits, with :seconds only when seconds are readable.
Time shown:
6:40
